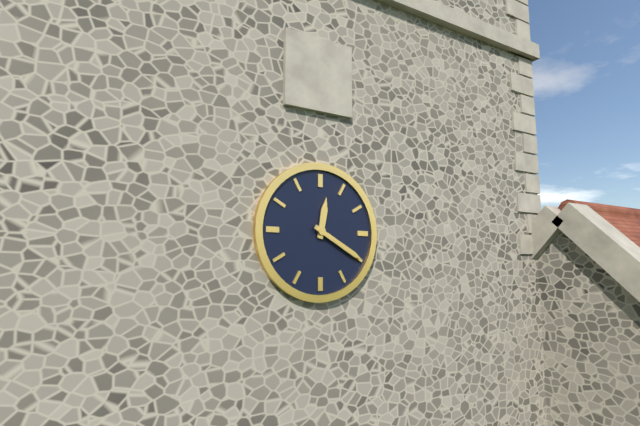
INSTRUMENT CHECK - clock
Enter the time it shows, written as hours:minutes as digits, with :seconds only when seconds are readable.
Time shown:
12:20
